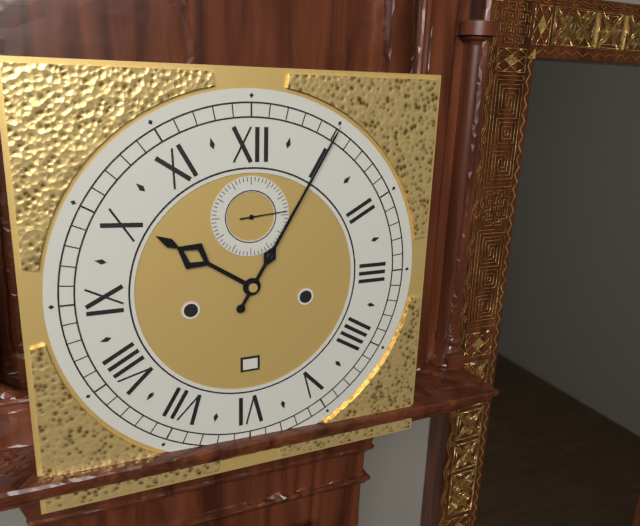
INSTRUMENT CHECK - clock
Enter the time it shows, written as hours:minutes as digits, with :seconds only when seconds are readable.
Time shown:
10:05
